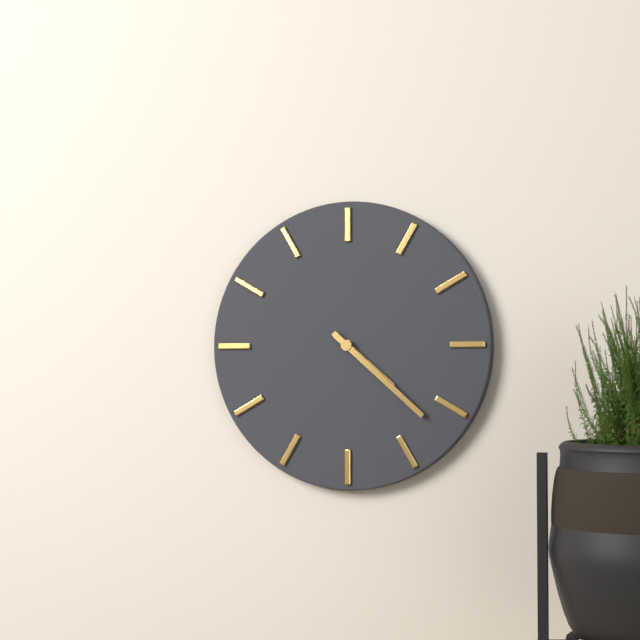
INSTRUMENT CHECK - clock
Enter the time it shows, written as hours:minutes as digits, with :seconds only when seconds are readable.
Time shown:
4:22
